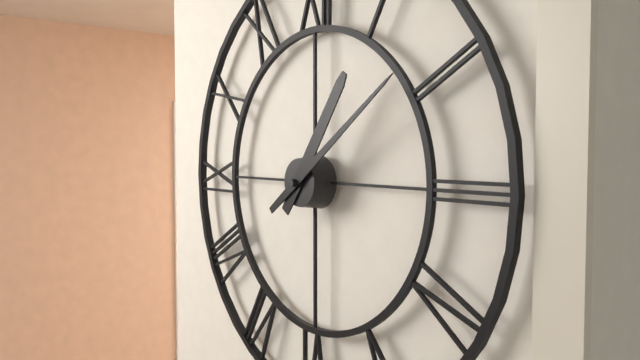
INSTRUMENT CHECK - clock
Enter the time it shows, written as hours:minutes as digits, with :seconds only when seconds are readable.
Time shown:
1:09
